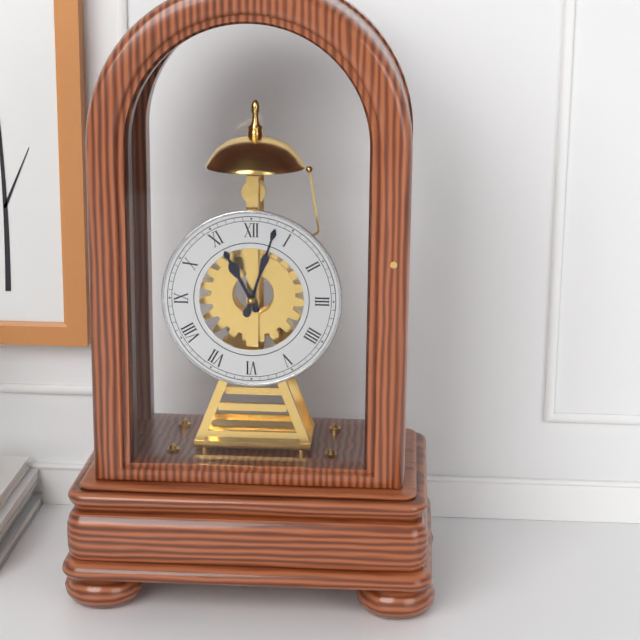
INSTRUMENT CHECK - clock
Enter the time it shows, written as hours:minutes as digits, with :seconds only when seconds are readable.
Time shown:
11:03
